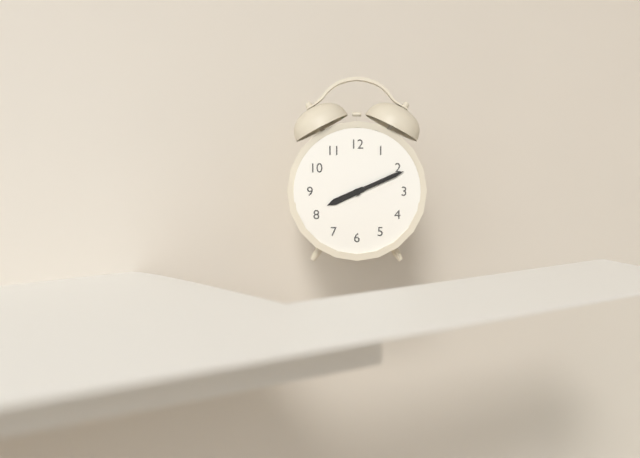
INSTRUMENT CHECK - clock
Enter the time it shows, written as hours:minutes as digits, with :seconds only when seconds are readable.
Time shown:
8:11
